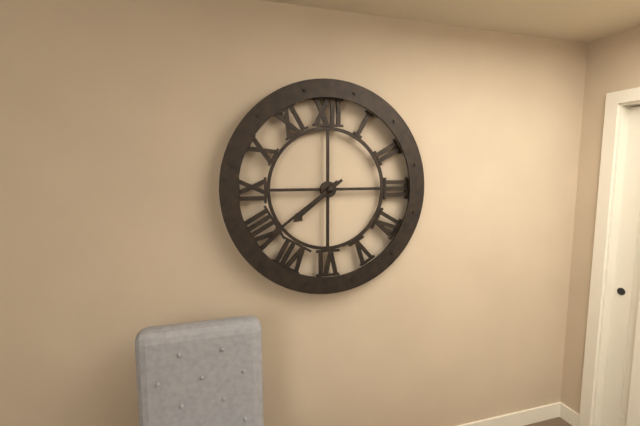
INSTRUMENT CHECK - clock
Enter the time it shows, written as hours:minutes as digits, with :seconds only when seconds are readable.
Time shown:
7:39
